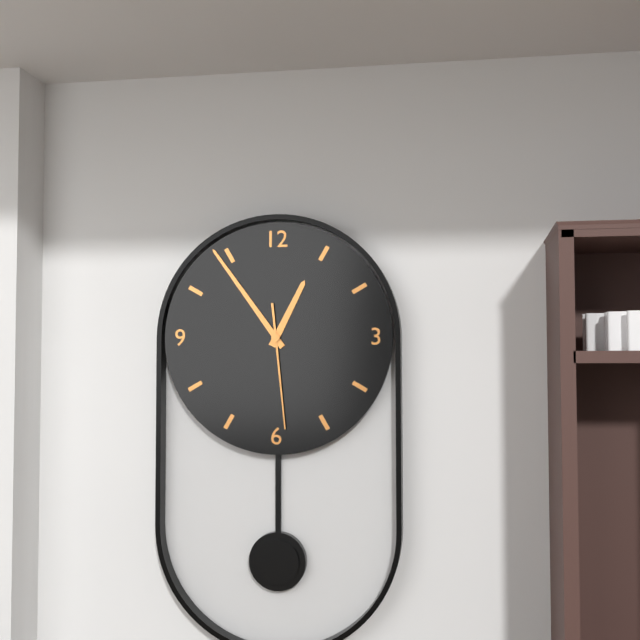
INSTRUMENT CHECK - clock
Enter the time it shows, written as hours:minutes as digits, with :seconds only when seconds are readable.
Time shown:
12:54:29
